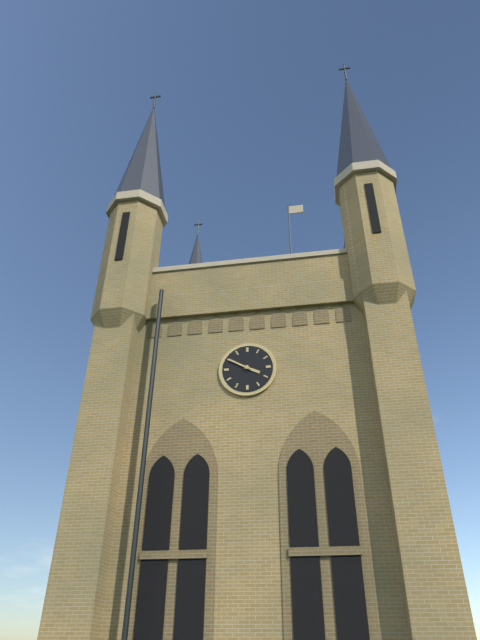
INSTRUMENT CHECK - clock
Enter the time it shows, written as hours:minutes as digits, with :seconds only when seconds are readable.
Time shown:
3:50
